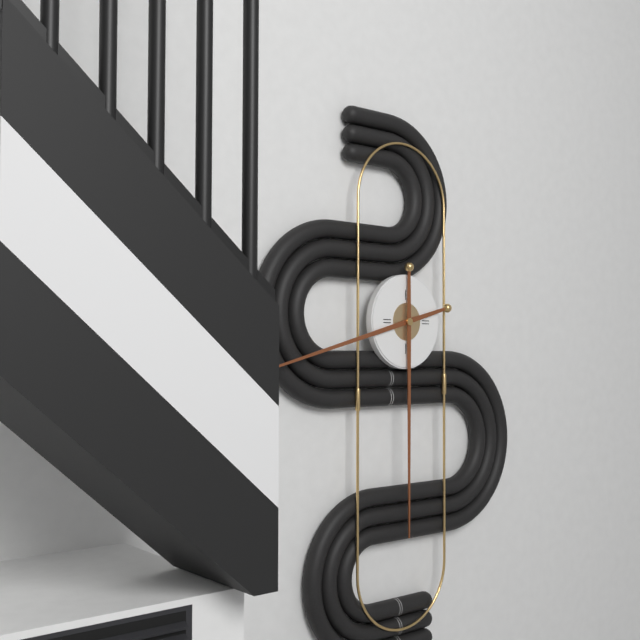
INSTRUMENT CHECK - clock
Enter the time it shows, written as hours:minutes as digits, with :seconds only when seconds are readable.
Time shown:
8:30
